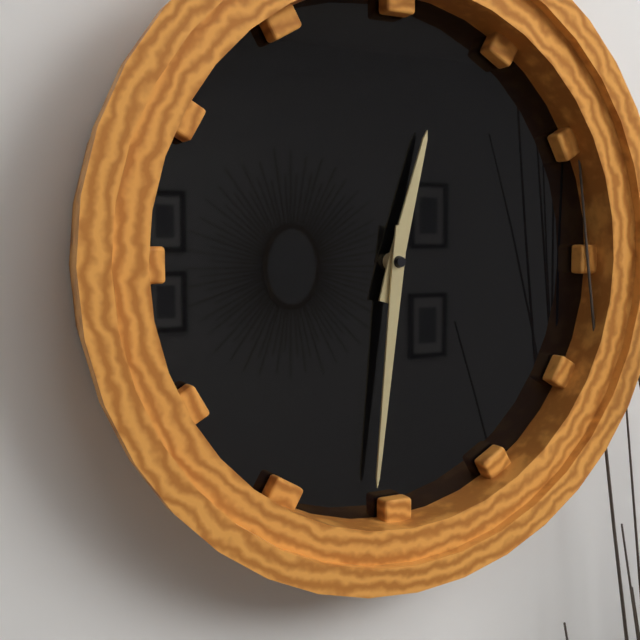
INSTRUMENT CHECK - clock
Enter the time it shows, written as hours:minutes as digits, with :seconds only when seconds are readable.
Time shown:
12:31
